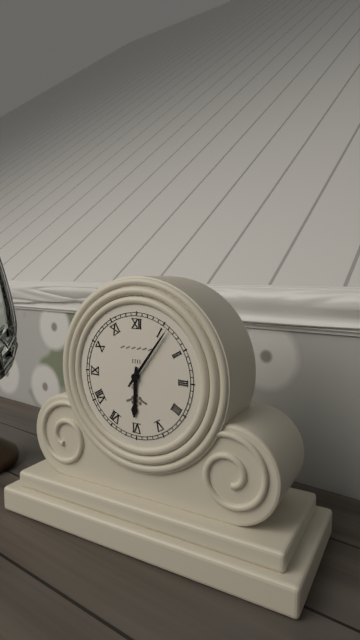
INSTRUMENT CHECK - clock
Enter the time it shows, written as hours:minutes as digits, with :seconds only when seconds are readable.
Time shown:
6:06
